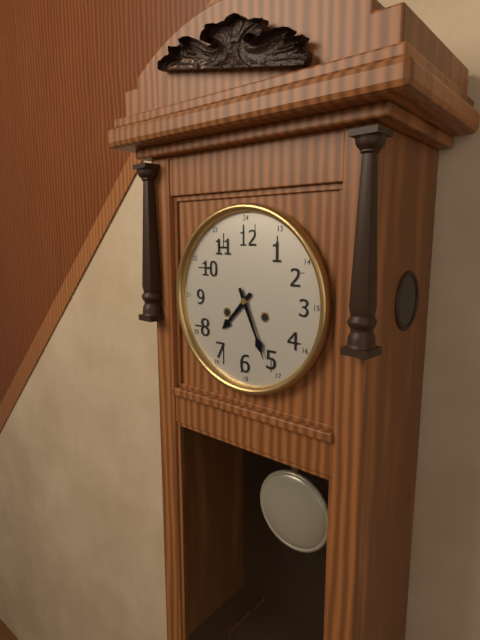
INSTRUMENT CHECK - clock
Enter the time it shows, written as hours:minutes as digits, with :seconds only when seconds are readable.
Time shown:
7:26
